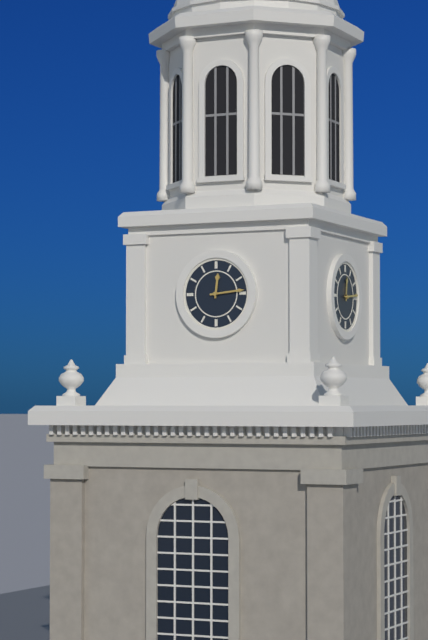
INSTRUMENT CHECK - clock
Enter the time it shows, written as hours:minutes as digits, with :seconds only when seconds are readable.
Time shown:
12:14
